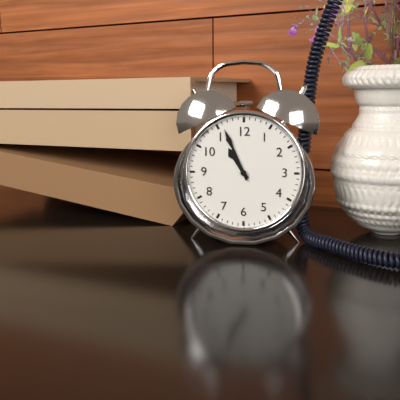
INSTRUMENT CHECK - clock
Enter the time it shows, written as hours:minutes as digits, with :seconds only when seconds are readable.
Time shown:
10:56
